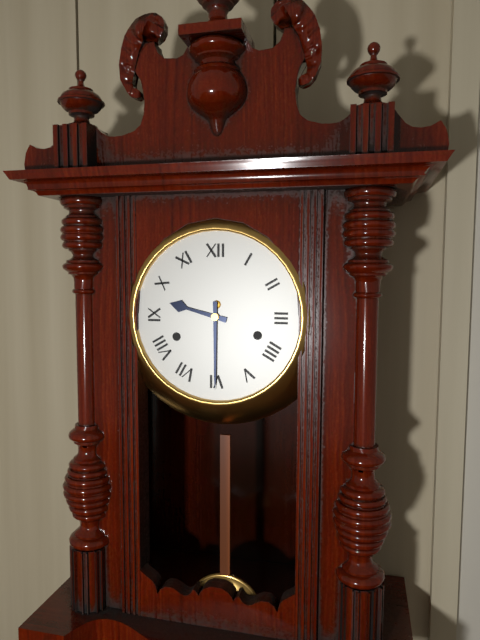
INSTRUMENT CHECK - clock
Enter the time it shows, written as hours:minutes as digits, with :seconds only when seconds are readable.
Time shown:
9:30
